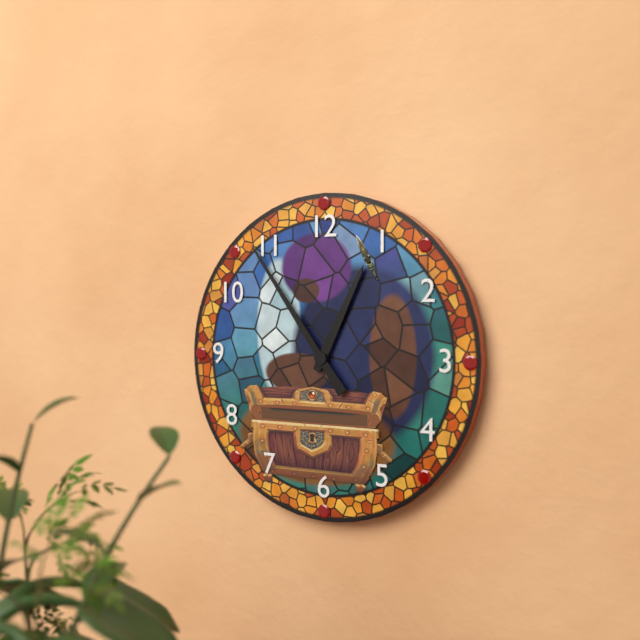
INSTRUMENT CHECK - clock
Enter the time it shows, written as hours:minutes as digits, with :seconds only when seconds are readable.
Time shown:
12:54
